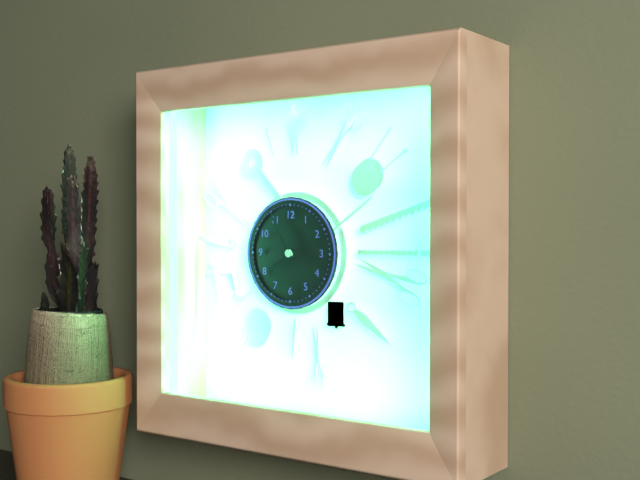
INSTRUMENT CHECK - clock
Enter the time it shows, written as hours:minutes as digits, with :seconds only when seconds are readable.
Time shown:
7:55
